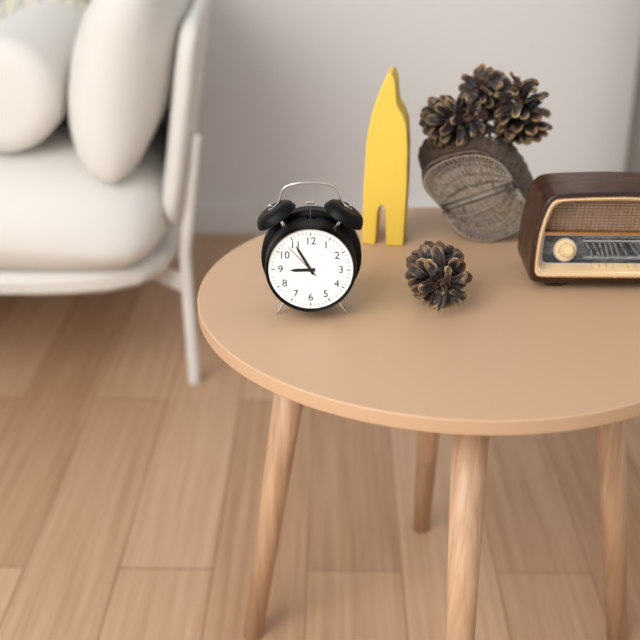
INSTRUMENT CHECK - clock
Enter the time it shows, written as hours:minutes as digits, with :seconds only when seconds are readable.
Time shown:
8:55
